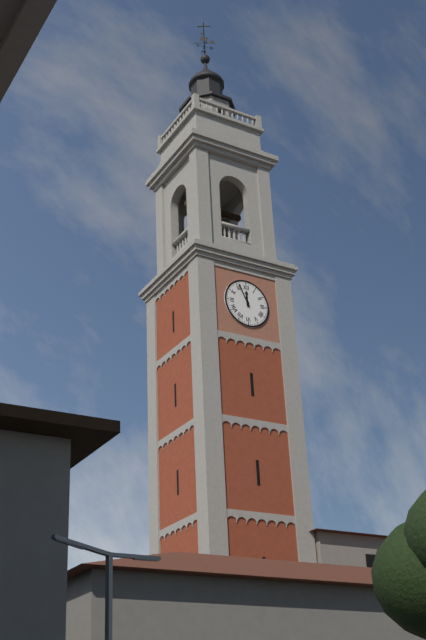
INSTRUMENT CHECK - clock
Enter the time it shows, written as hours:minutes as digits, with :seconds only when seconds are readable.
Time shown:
11:56
